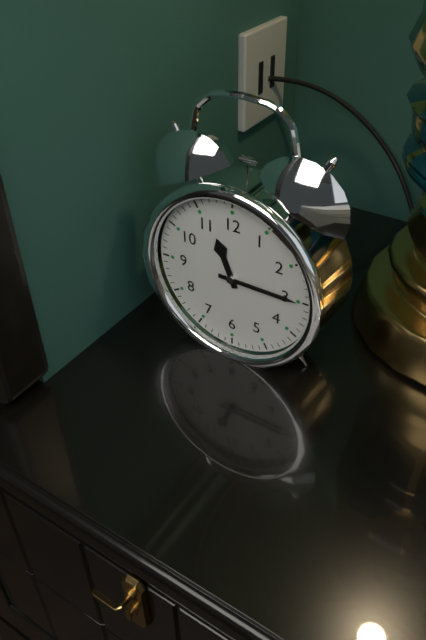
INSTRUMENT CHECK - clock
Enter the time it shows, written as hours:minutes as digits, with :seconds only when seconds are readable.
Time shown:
11:15
